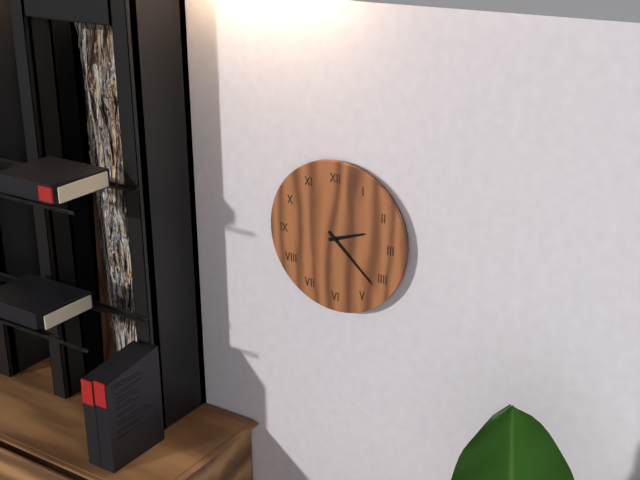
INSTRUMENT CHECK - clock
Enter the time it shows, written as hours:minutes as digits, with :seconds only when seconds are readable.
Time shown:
2:22
